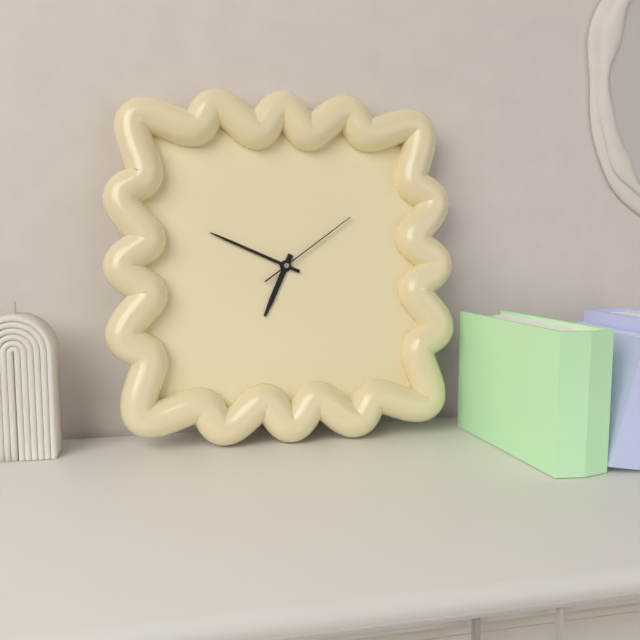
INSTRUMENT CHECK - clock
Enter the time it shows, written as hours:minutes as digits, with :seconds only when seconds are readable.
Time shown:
6:49:09
